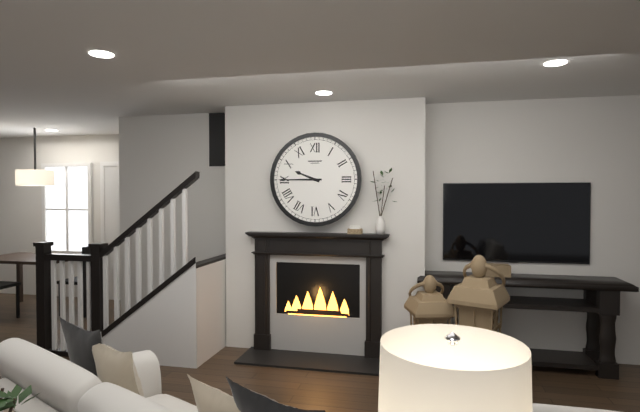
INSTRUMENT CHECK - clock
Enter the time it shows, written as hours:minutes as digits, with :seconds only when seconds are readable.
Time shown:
9:45
